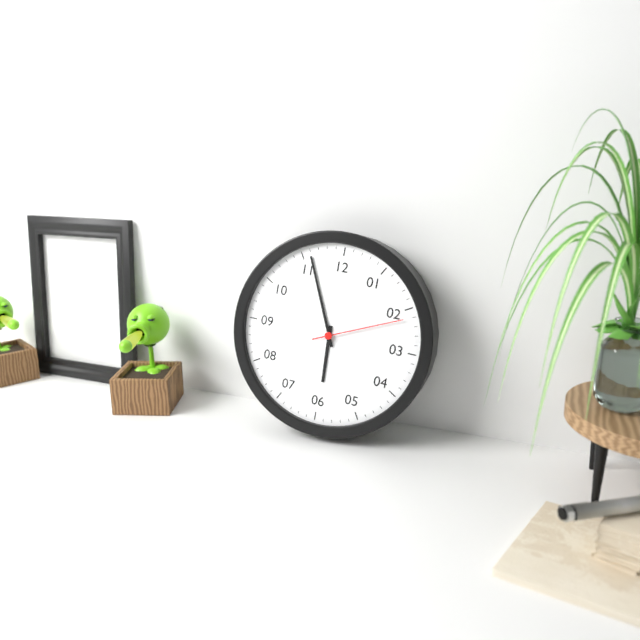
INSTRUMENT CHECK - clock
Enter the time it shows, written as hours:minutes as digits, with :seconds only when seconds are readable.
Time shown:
5:56:11
